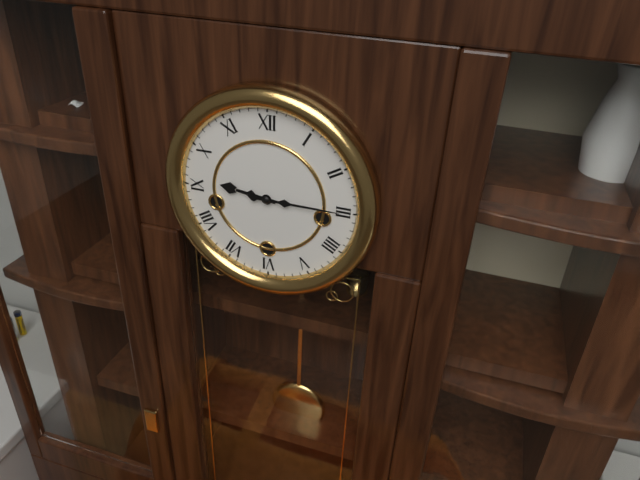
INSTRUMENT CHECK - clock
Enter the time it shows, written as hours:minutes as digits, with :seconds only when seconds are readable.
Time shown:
9:15
